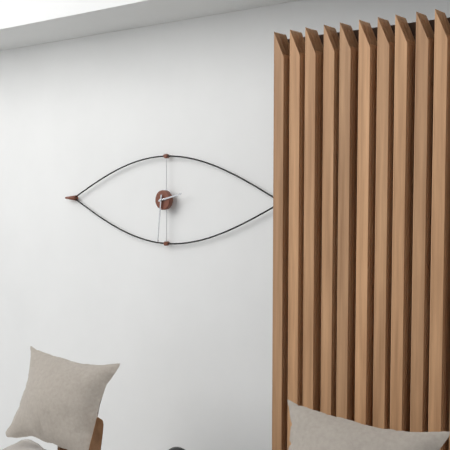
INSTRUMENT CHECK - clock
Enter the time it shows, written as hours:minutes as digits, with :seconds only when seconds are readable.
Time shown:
2:31
